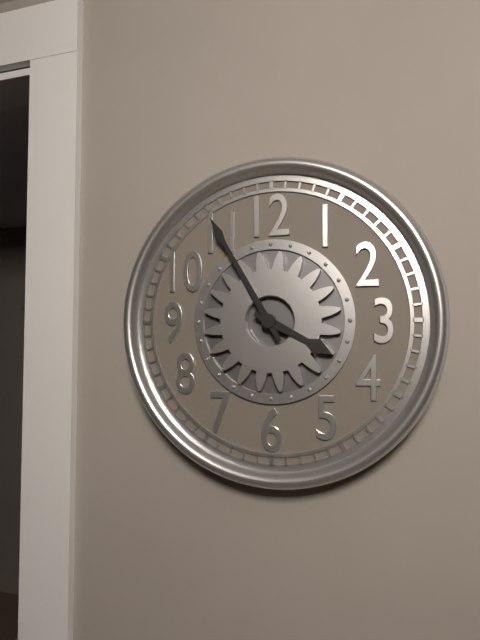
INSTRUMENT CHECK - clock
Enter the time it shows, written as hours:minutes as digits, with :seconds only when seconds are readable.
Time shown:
3:55
